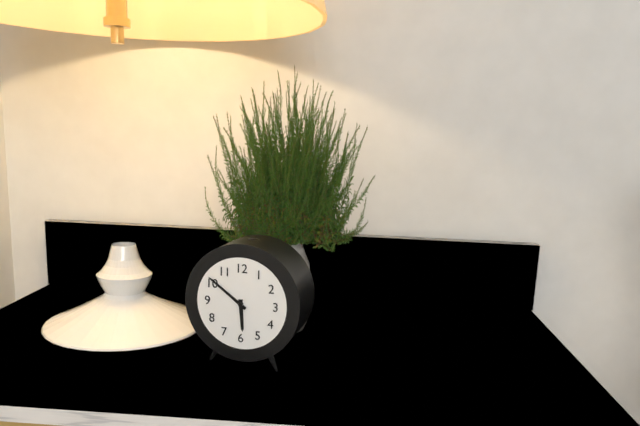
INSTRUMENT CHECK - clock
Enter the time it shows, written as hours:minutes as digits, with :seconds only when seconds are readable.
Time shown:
5:51
